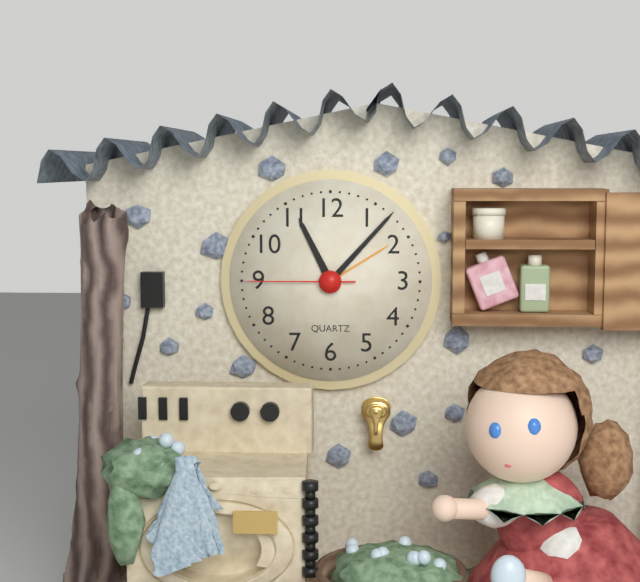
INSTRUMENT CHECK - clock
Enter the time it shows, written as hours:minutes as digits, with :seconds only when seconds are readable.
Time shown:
11:07:45
